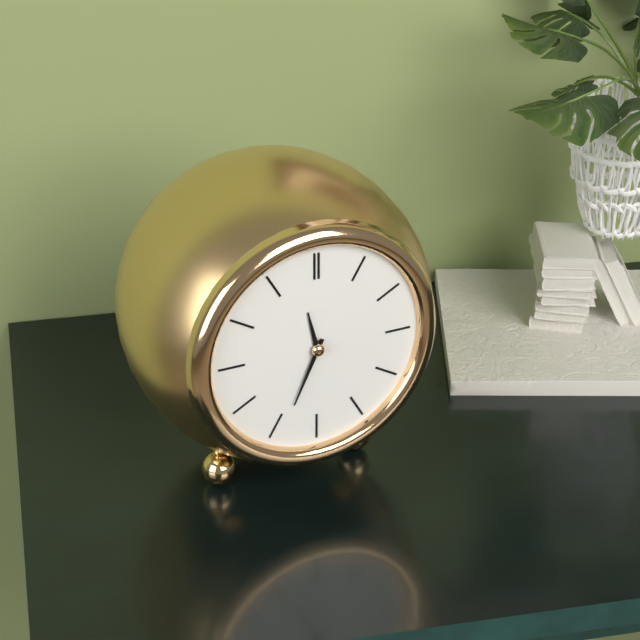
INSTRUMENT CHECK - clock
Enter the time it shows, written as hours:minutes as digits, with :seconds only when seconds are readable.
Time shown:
11:34
